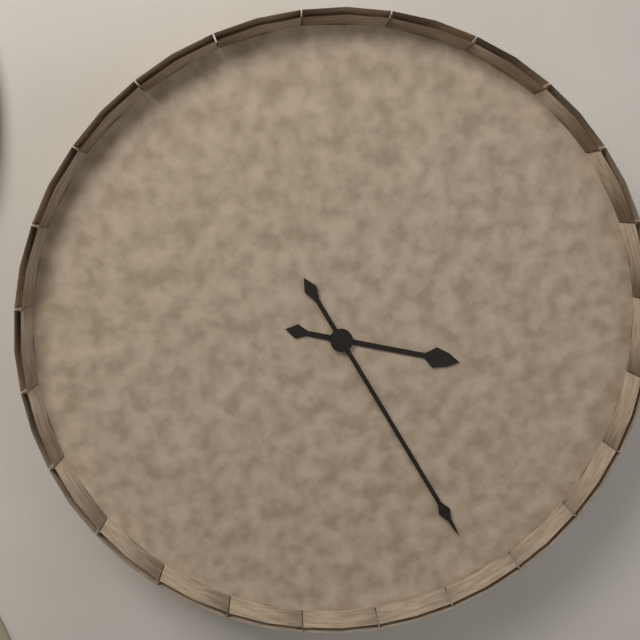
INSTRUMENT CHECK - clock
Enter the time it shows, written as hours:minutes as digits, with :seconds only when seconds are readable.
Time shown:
3:25
